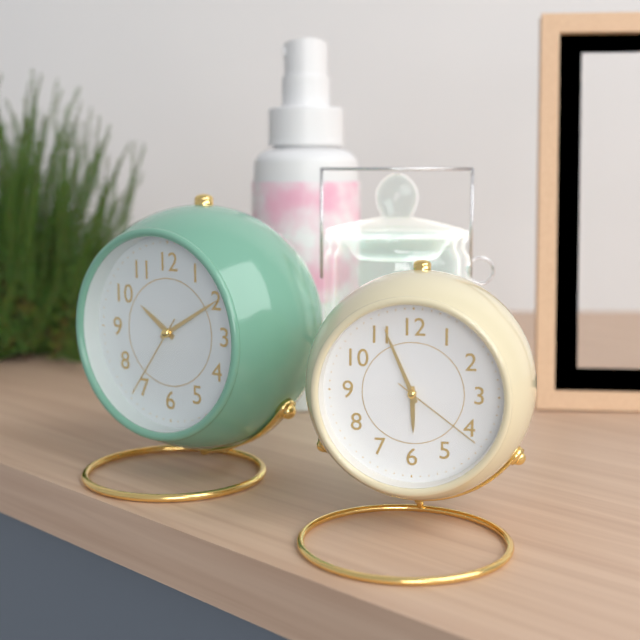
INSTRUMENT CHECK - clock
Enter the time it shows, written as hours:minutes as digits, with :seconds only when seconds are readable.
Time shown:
5:56:21
